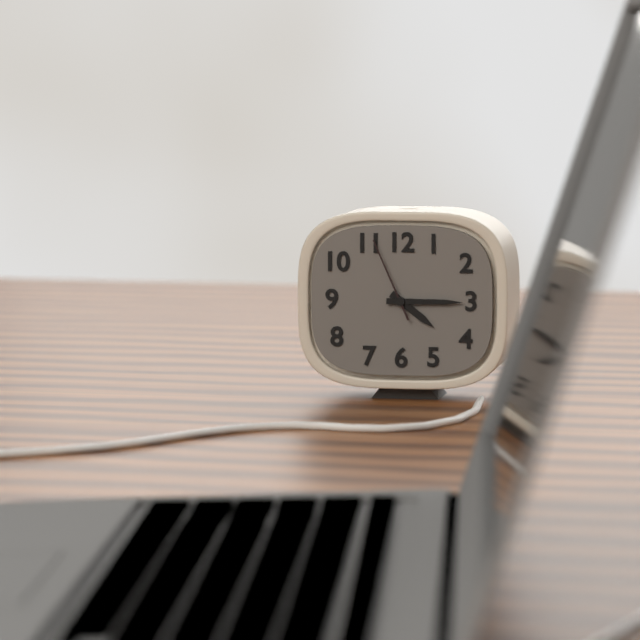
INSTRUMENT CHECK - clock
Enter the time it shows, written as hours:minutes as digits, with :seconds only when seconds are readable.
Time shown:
4:15:56
